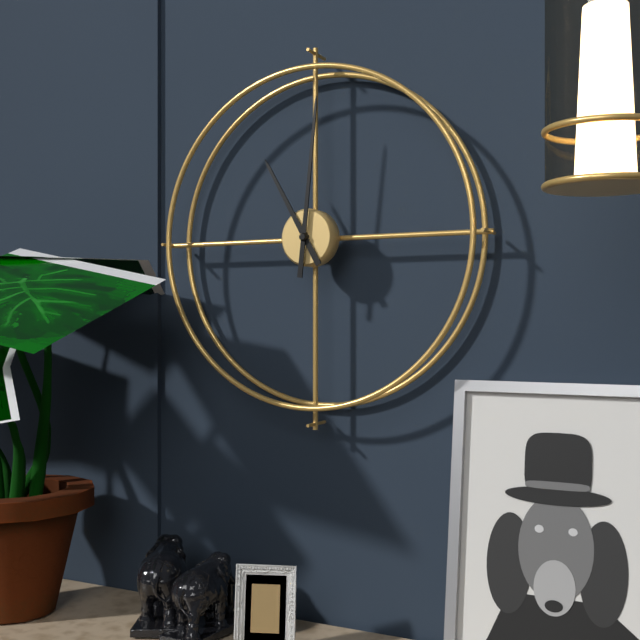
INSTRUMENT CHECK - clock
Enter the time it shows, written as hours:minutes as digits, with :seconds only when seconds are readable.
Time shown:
11:01
